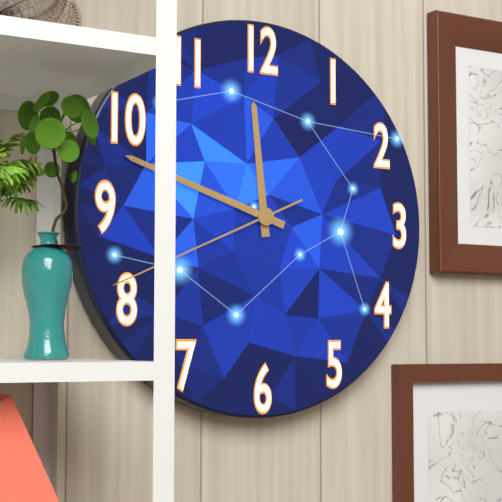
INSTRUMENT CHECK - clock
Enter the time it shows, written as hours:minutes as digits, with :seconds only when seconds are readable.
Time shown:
11:48:41
